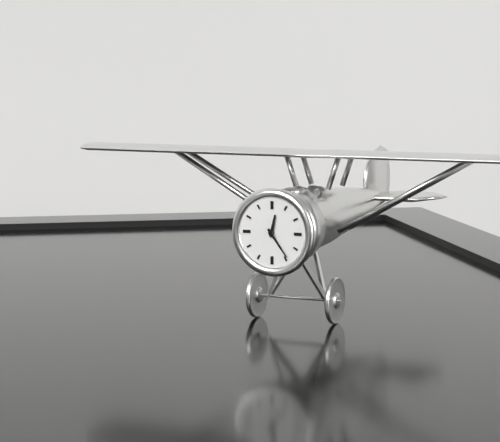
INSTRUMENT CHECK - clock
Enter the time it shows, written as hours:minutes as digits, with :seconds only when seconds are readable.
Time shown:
12:24
